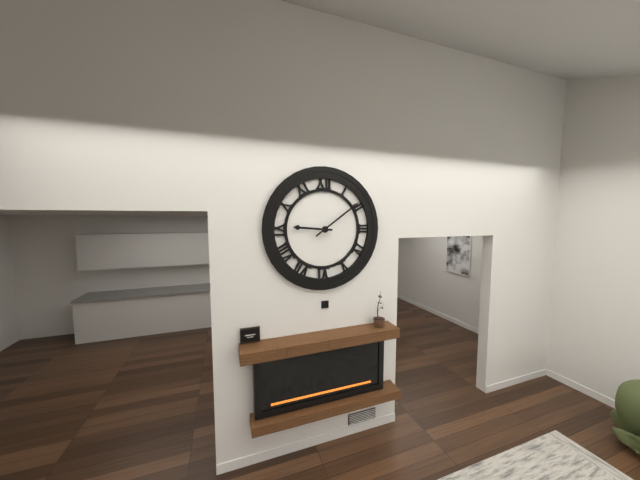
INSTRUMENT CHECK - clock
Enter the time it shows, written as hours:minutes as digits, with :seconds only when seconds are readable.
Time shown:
9:09
